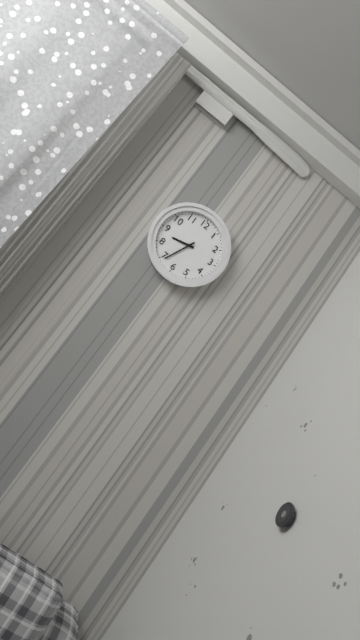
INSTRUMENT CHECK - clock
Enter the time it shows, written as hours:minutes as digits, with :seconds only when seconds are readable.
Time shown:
8:34
